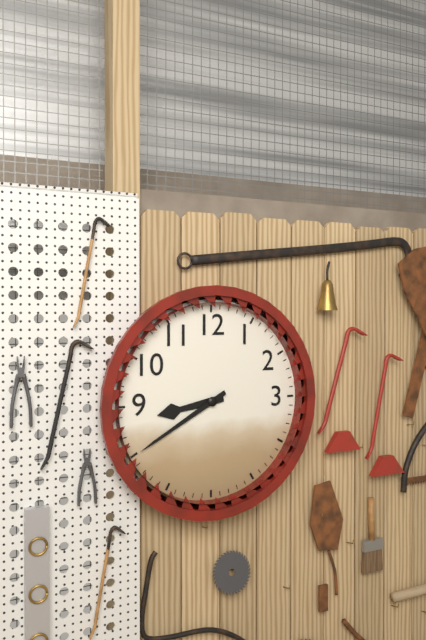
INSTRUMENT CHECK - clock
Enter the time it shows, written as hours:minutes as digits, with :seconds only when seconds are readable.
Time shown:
8:40
